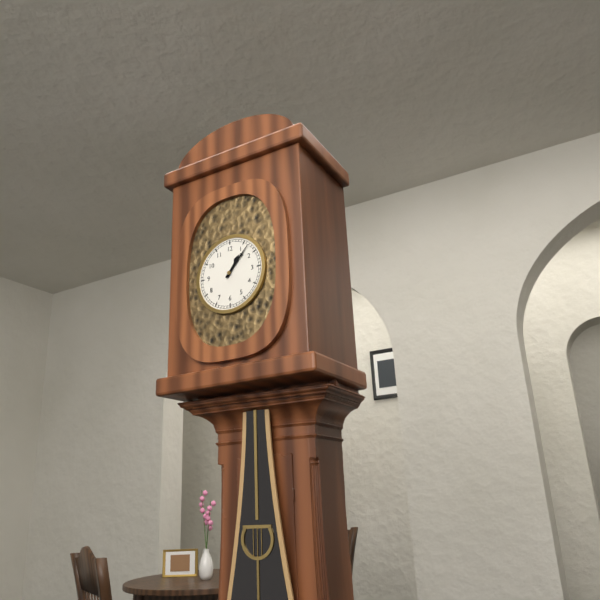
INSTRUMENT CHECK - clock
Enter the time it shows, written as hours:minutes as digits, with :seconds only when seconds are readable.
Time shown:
1:07
